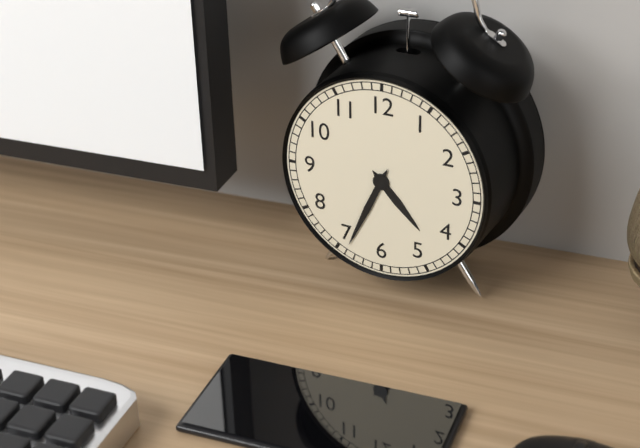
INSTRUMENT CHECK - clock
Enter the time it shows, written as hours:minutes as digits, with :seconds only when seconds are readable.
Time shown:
4:34
